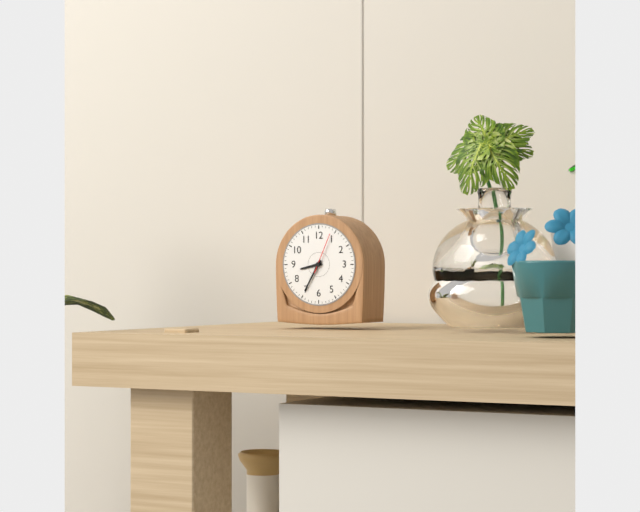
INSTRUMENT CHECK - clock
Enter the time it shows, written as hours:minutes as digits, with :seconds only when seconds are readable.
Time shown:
8:35
